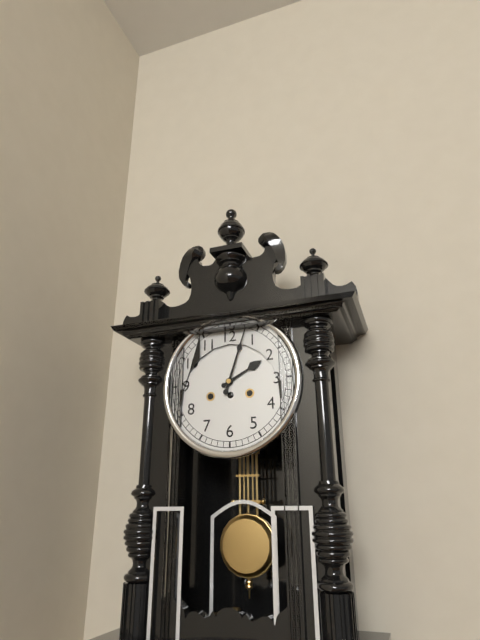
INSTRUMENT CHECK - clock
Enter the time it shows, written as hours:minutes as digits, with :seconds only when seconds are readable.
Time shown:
2:03
